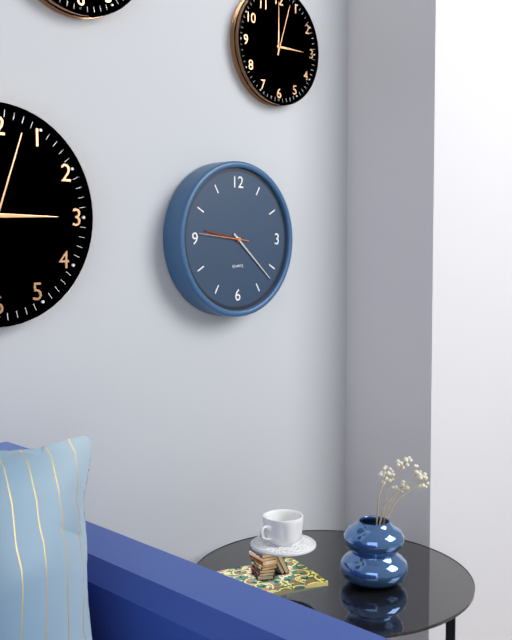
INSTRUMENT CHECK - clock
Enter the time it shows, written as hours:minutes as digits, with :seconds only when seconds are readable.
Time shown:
9:22:46
